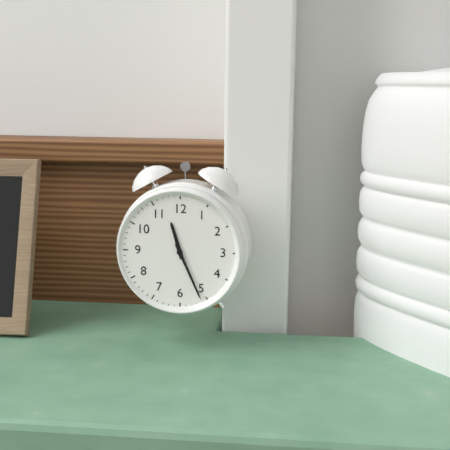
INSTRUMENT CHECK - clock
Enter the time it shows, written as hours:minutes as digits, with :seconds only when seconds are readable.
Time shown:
11:26
